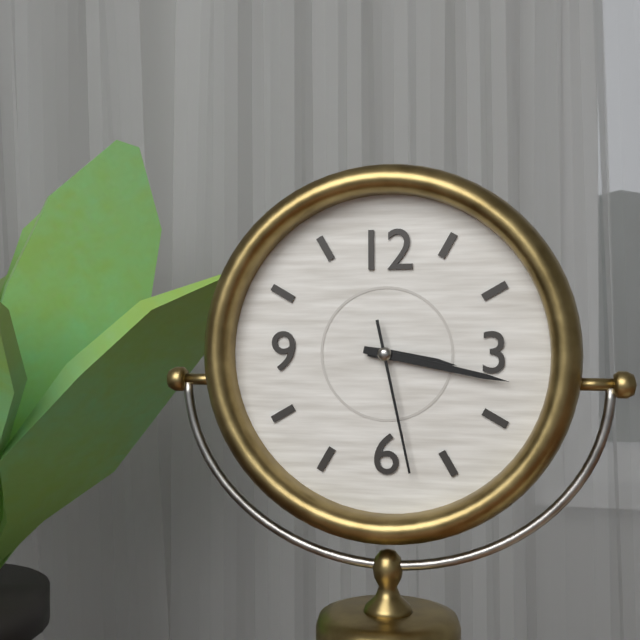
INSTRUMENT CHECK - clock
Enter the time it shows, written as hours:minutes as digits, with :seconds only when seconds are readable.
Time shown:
3:17:28
